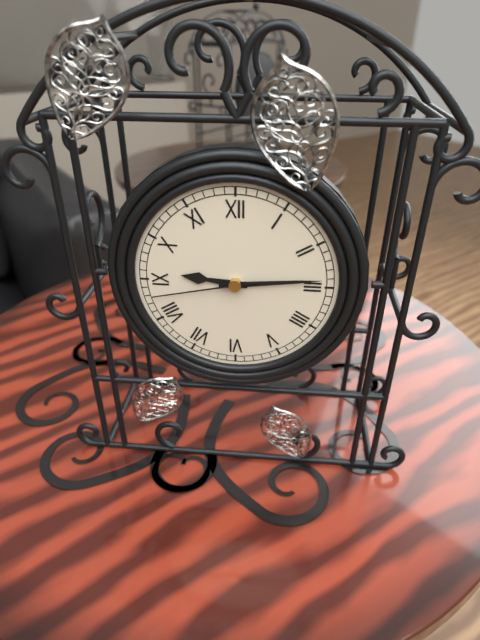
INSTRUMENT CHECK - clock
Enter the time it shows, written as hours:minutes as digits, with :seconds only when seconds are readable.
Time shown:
9:14:43
